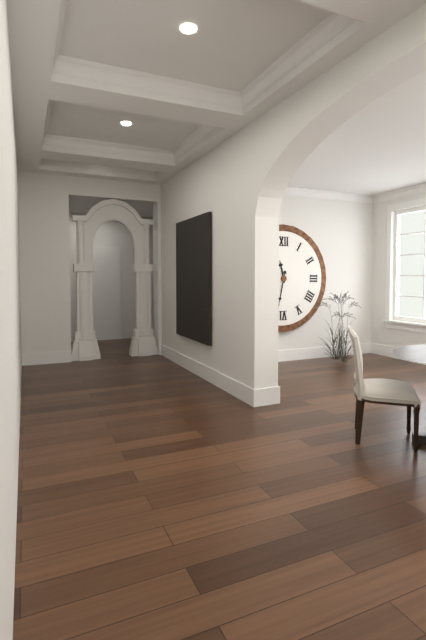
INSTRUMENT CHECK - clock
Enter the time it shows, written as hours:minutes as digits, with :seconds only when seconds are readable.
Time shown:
11:32
